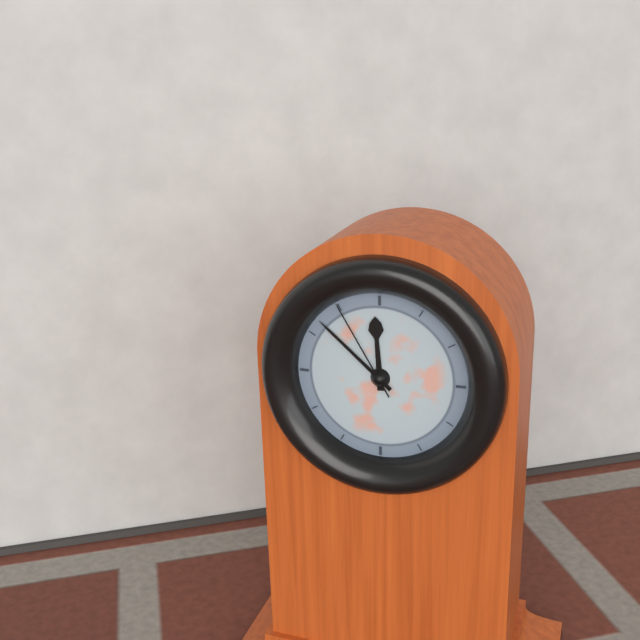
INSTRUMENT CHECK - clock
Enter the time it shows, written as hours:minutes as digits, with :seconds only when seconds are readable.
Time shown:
11:52:55
